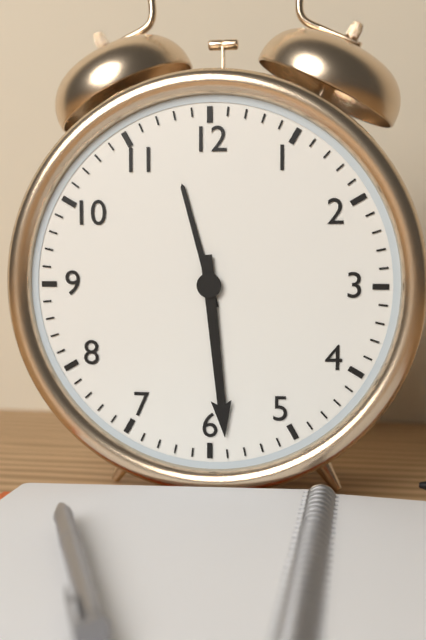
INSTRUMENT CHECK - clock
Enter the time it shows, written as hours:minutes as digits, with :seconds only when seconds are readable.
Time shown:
11:29
